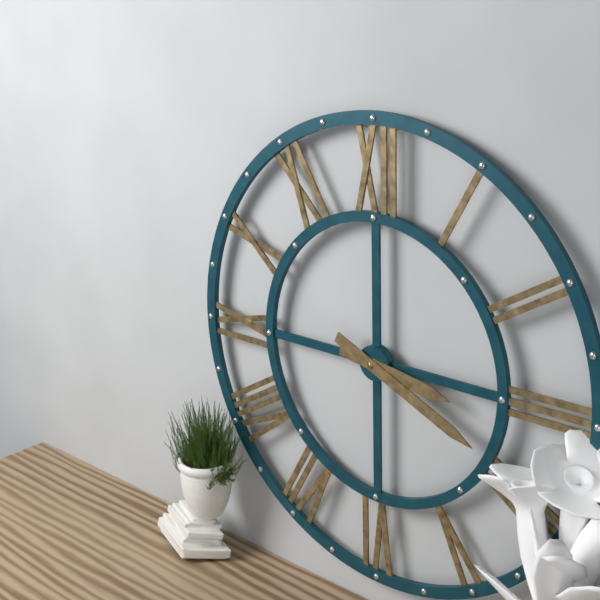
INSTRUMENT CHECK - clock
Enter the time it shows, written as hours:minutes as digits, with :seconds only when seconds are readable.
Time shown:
3:19
